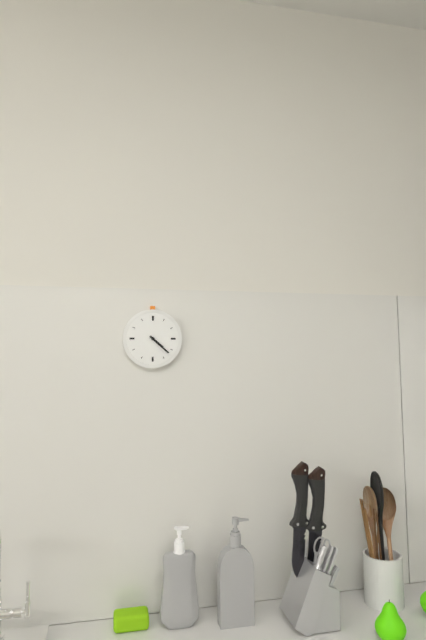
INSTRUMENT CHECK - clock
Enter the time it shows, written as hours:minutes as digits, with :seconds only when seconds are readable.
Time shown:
4:22
